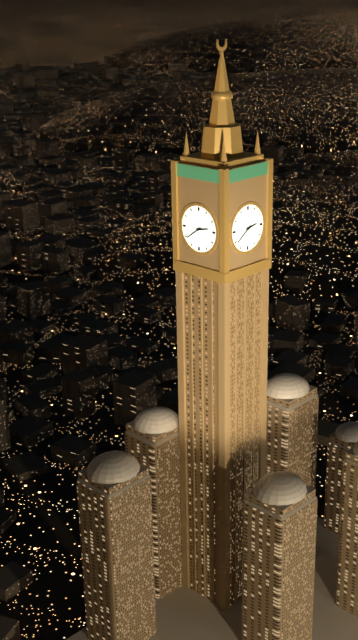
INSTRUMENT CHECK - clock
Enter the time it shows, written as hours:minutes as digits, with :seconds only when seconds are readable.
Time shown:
2:39
